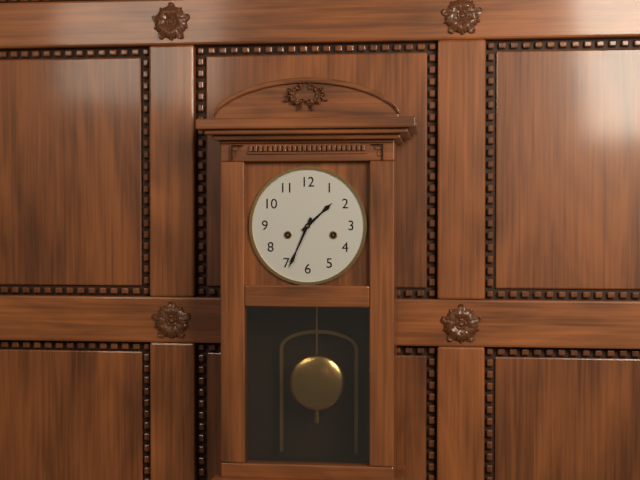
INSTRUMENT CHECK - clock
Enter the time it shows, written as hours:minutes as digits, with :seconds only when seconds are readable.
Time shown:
1:34
